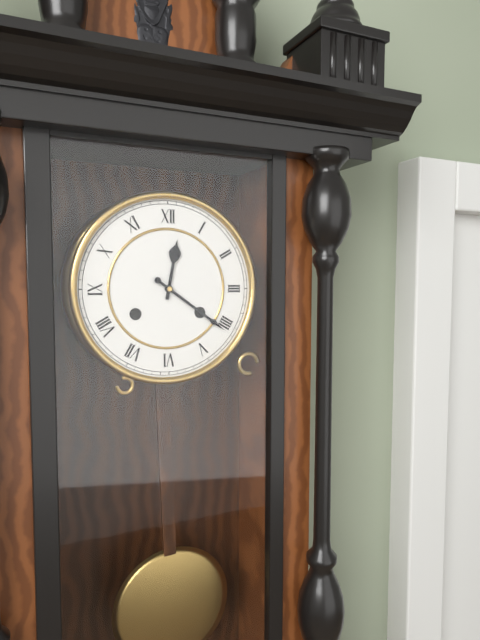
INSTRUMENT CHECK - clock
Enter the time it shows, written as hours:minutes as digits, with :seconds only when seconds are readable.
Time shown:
12:21
